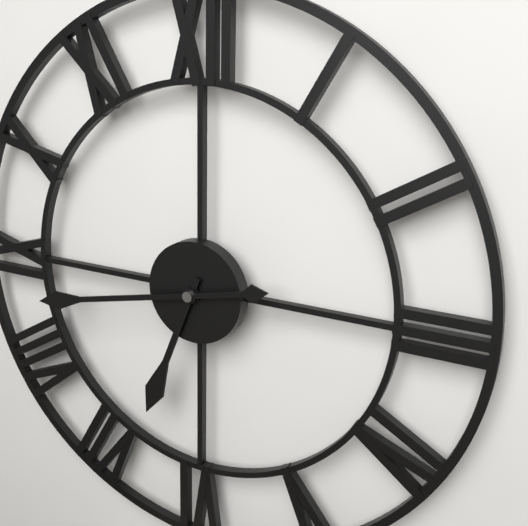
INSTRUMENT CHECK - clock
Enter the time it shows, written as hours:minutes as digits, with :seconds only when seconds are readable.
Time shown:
6:43
